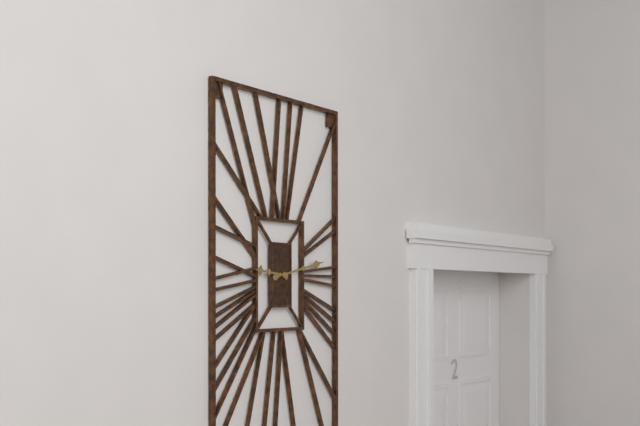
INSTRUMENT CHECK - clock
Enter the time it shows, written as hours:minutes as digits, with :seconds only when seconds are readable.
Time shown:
9:13
